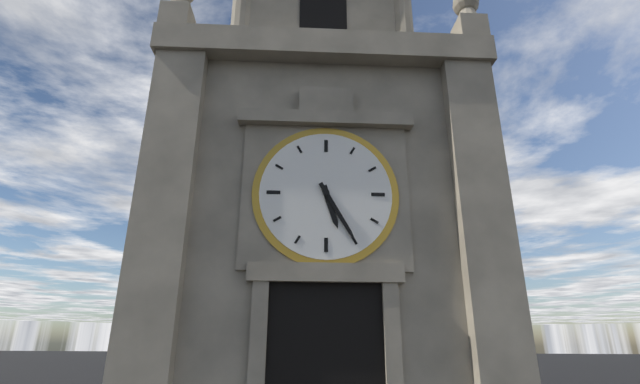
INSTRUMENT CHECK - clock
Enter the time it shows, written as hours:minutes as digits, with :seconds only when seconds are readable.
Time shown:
5:25
